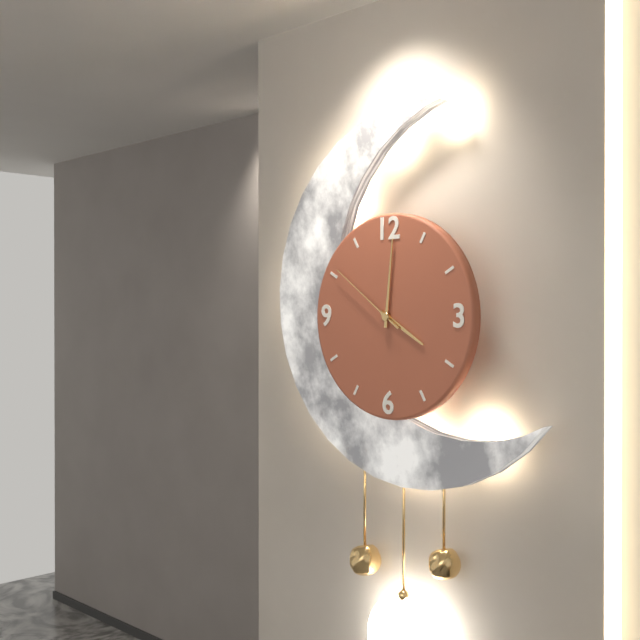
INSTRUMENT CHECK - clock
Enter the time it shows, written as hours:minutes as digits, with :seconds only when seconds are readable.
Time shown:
4:01:51
